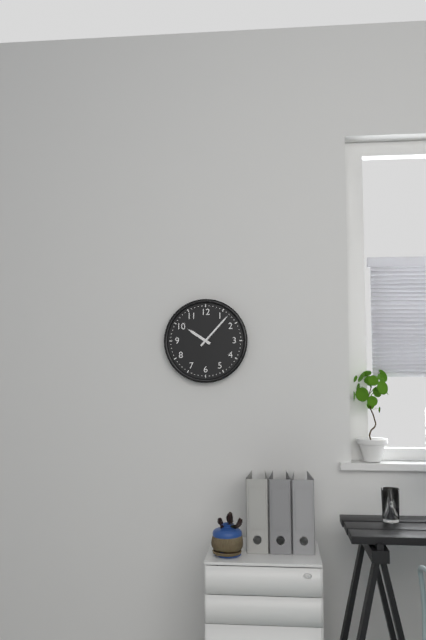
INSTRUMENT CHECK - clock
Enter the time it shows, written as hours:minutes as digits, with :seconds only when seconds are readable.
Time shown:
10:07
